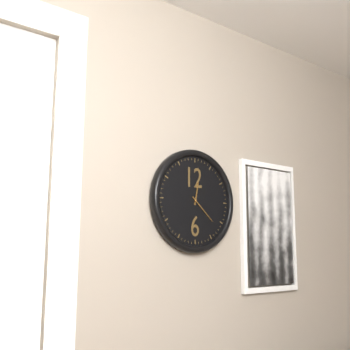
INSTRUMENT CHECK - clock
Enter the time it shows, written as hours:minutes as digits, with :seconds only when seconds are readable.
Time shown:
12:22
